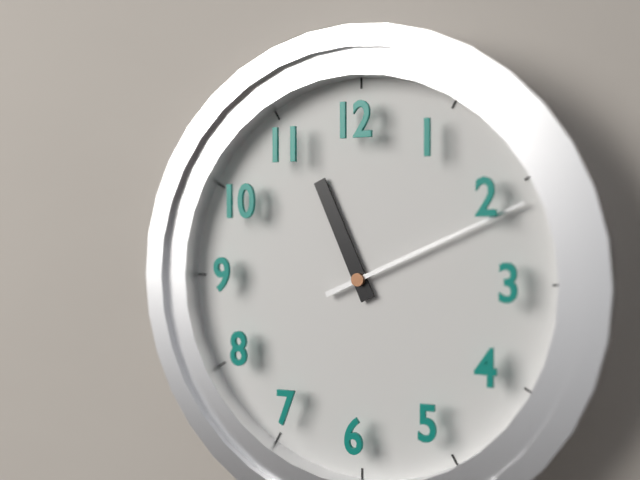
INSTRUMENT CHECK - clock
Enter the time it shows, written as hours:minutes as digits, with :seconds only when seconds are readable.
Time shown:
11:11
